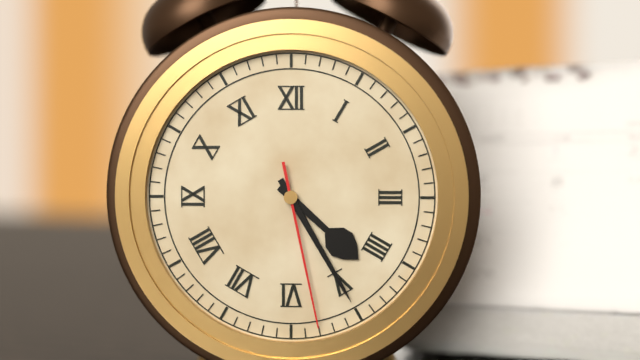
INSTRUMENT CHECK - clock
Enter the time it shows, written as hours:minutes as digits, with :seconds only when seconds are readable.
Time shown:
4:25:28
